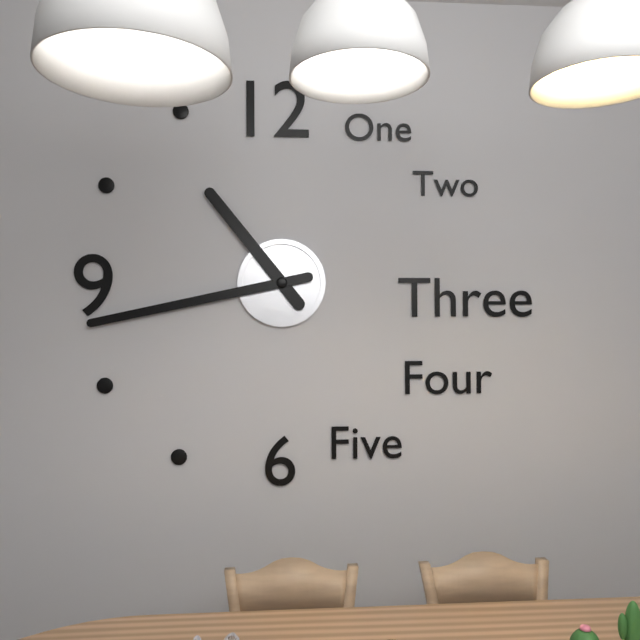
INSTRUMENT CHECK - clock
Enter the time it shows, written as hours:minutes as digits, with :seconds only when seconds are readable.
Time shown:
10:43
